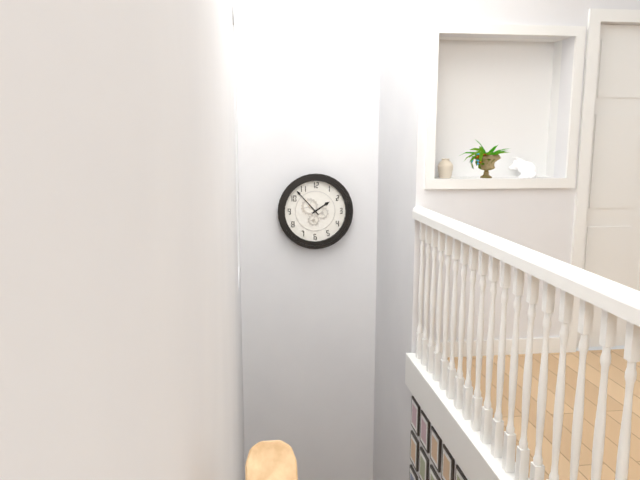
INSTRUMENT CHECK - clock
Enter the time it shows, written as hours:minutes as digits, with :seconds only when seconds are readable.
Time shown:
1:53
